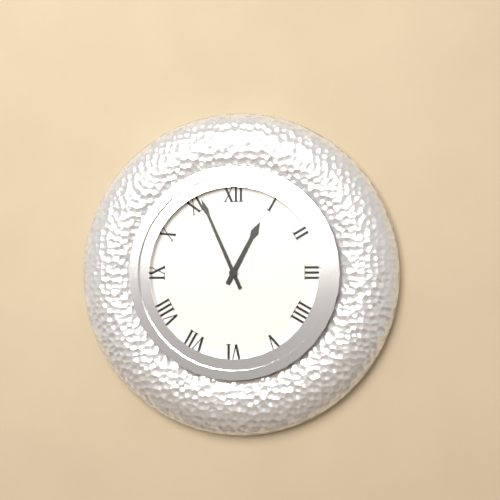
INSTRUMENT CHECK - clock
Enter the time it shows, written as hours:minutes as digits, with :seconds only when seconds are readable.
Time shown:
12:56
